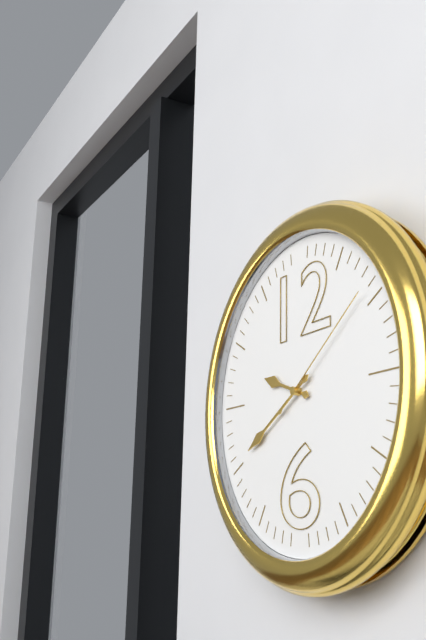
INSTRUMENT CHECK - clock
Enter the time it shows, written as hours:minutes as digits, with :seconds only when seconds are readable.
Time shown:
9:40:09
